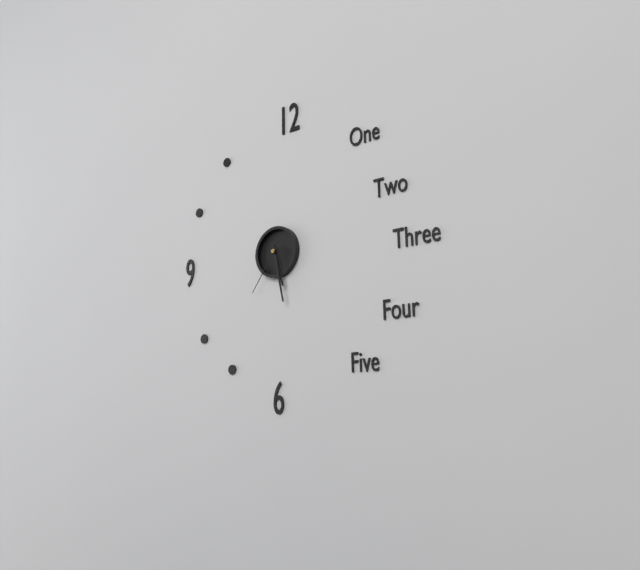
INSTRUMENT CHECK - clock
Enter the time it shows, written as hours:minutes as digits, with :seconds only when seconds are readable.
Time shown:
5:28:36
